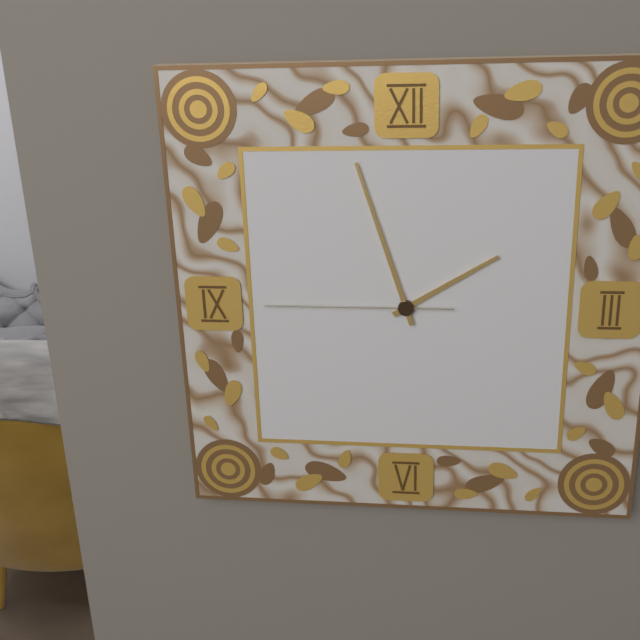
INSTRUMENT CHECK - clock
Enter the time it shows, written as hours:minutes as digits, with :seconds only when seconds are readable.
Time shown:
1:57:45
